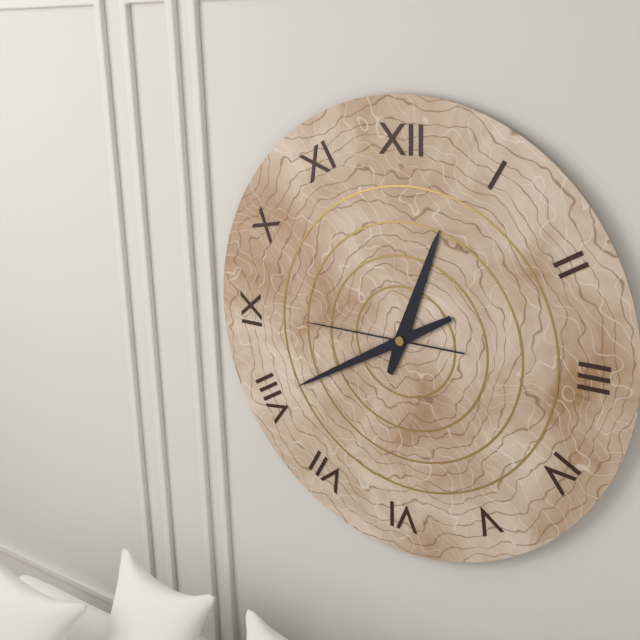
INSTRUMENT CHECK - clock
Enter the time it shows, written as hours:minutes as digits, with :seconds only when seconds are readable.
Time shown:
12:40:45
